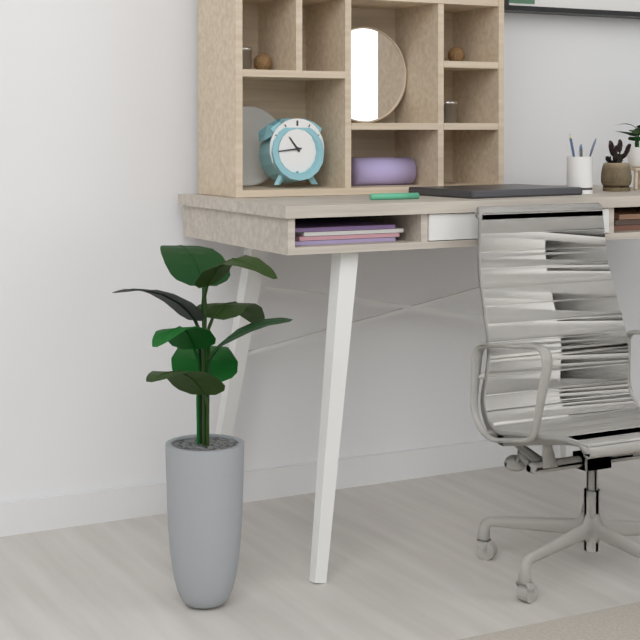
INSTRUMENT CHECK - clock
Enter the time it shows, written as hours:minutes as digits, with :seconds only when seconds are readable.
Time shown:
10:44
